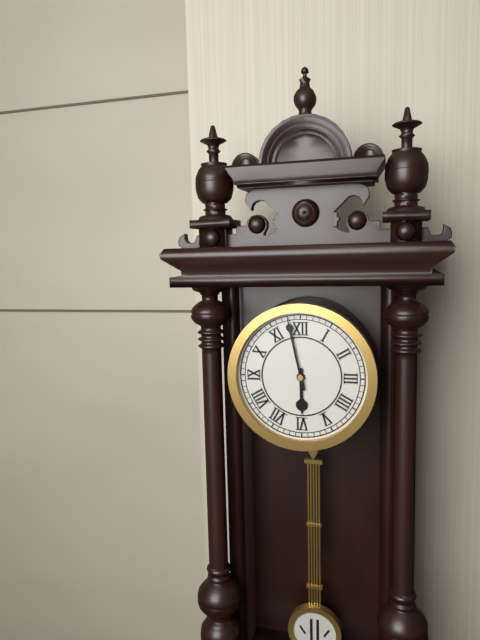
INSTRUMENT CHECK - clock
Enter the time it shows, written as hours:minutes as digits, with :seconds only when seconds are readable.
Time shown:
5:58
